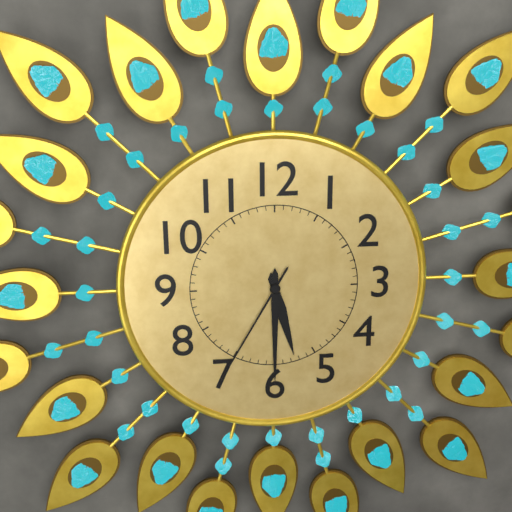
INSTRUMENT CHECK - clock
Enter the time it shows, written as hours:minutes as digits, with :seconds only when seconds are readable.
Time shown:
5:30:35
